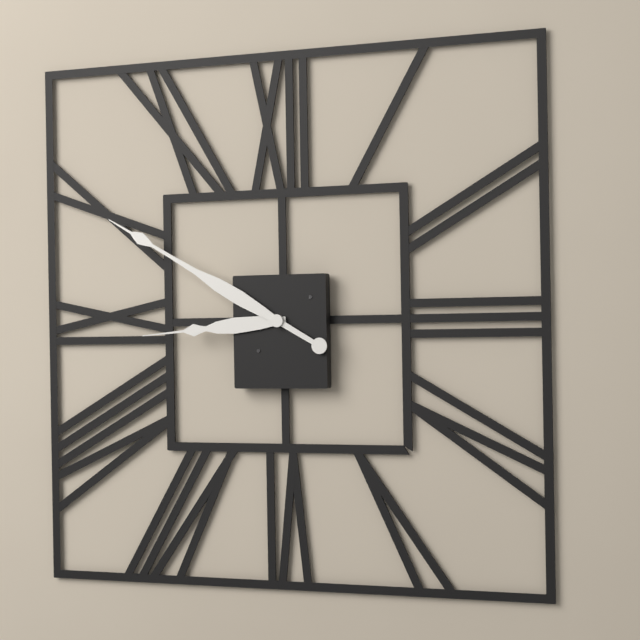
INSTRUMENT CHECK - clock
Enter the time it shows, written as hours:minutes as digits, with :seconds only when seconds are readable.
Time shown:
8:50
